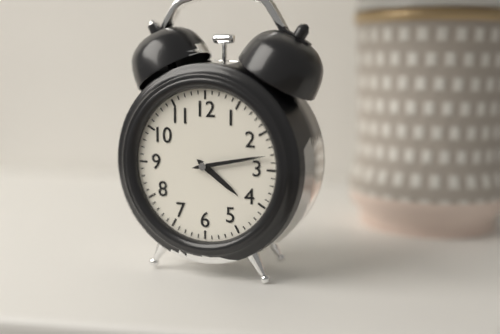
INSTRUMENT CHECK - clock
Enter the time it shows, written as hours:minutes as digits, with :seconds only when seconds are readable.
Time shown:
4:13
